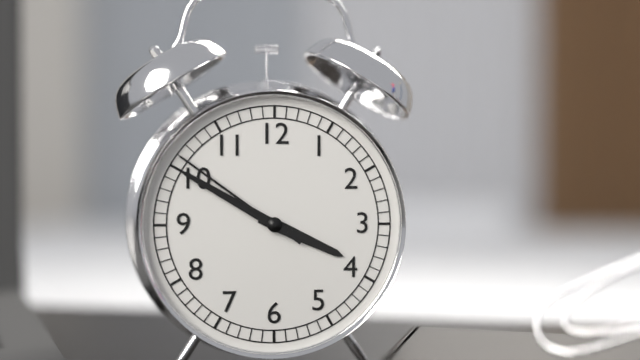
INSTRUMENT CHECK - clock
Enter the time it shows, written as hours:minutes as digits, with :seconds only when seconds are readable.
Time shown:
3:50:51
